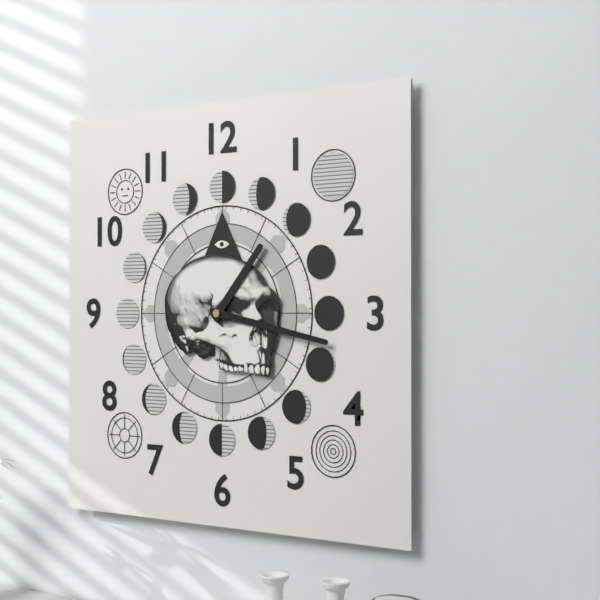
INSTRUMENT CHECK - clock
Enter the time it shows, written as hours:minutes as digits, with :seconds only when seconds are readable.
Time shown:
1:17
